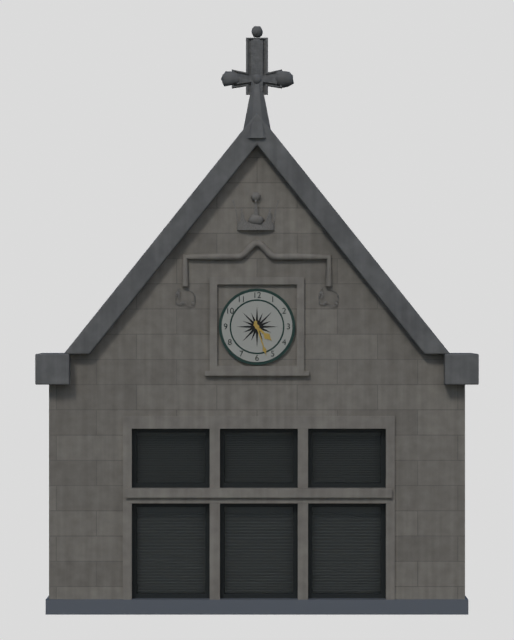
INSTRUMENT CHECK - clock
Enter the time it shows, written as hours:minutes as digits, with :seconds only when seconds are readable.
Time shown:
4:27
